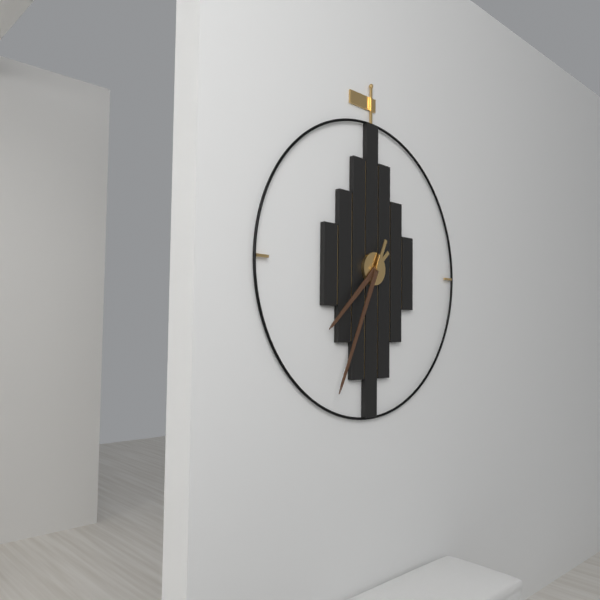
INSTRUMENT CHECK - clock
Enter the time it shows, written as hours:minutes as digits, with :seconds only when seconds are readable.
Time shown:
7:34
